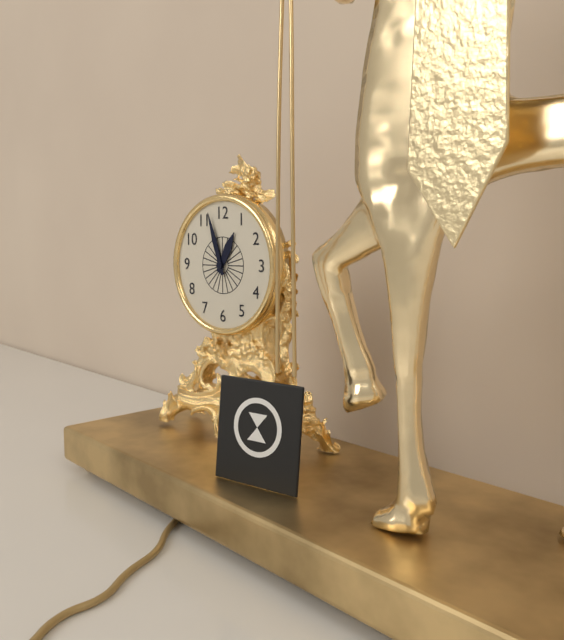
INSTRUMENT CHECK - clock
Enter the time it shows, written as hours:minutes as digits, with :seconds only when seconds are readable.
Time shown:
12:57
